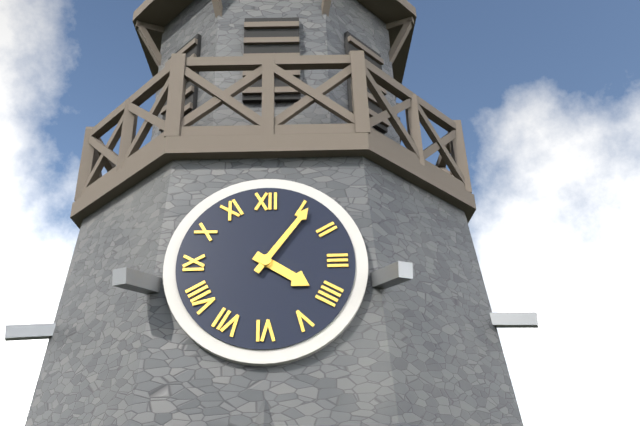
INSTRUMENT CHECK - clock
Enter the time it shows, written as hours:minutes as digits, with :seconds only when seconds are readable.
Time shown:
4:06
